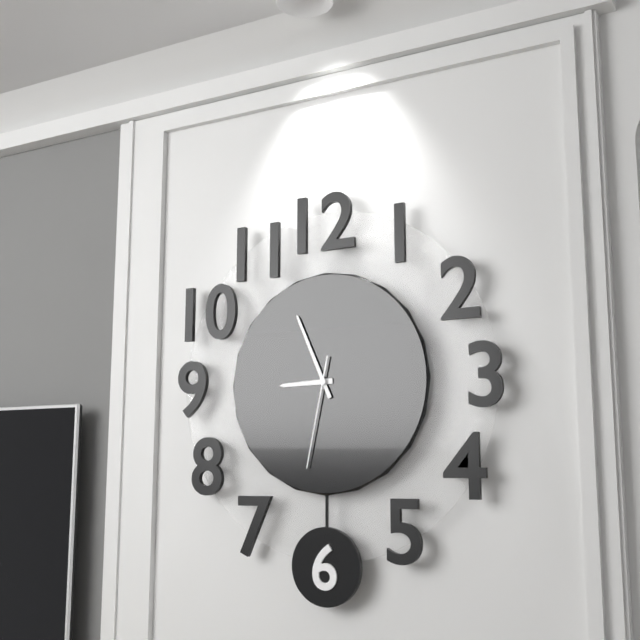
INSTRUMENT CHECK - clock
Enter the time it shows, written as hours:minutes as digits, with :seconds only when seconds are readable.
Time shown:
8:56:32
